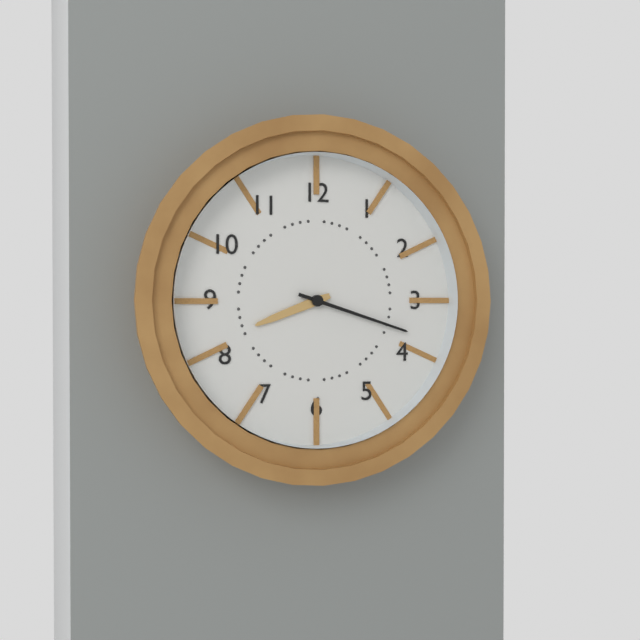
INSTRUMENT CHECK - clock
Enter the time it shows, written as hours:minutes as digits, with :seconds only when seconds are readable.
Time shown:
8:18
